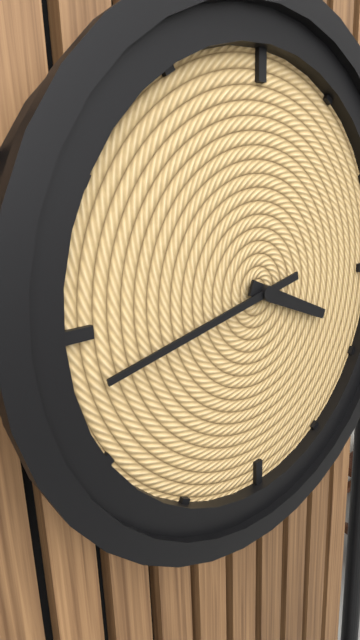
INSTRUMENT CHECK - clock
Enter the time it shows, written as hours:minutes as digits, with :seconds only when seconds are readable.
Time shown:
3:43
